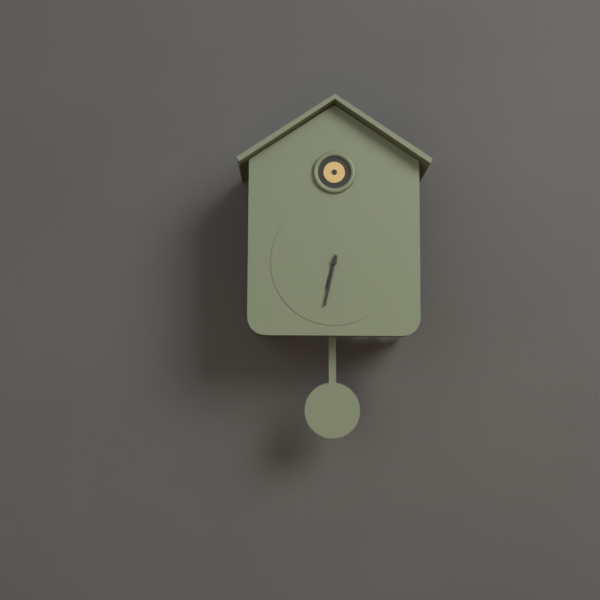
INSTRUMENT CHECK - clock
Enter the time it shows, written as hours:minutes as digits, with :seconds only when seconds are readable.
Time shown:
6:32
